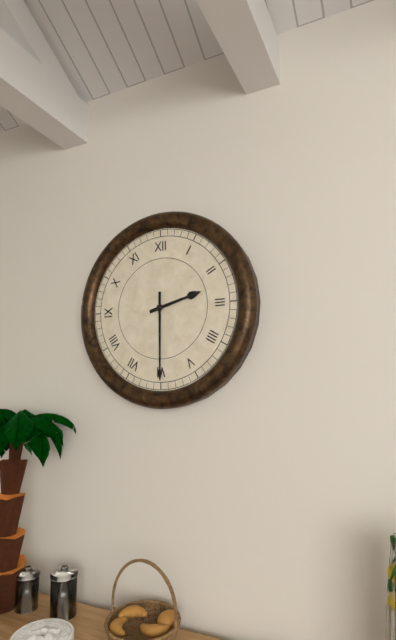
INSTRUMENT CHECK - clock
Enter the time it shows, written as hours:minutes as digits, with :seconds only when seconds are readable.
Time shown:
2:30
